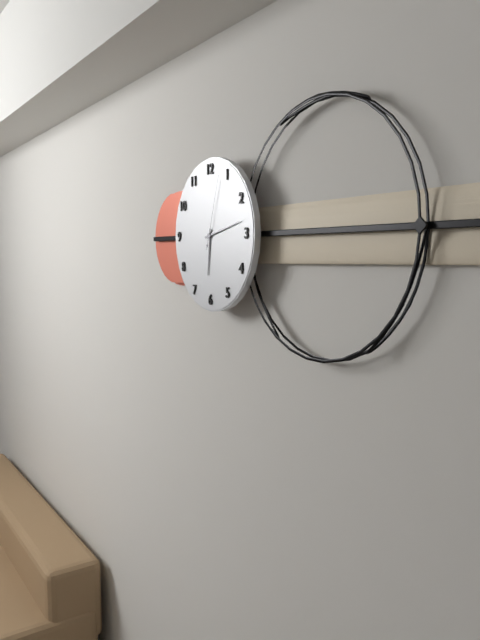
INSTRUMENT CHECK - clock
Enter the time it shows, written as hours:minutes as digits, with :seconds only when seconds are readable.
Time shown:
6:13:03
